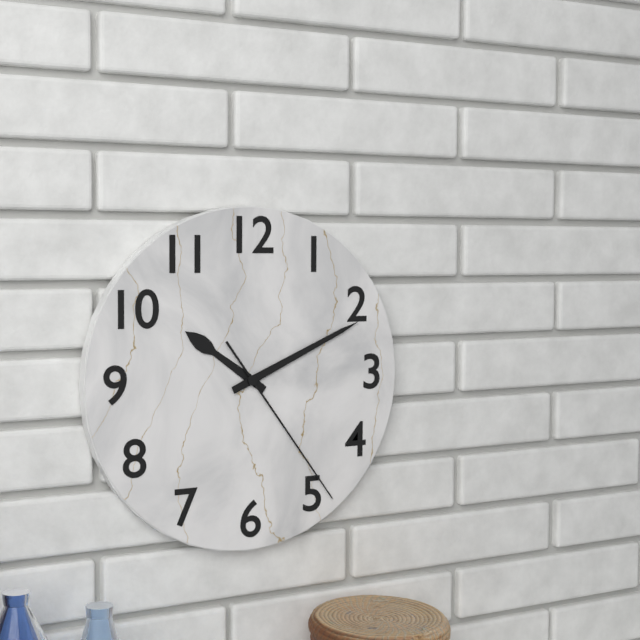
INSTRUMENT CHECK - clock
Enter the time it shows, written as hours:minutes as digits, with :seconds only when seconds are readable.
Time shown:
10:11:24
